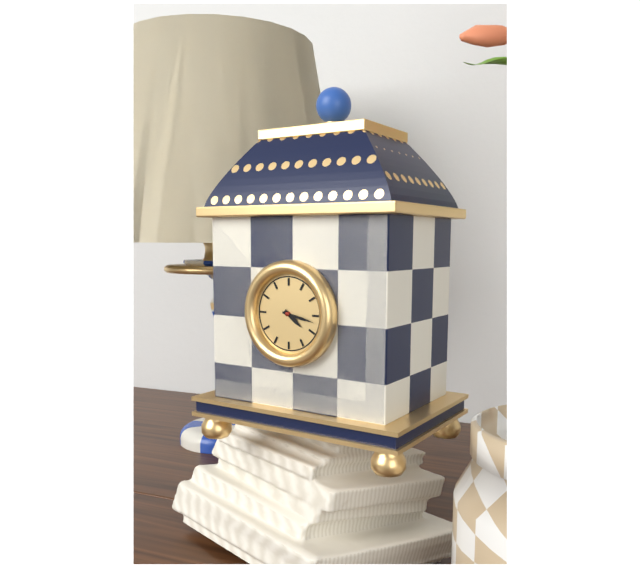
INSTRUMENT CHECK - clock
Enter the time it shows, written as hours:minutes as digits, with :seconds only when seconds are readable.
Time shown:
4:17
